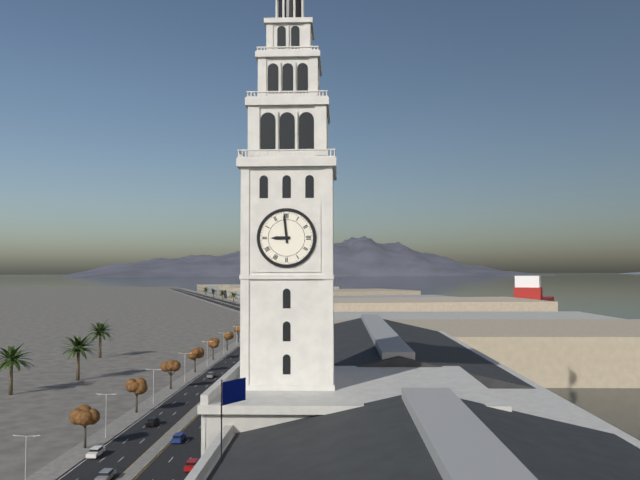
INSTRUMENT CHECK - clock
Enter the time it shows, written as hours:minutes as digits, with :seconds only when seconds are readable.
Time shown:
8:59
